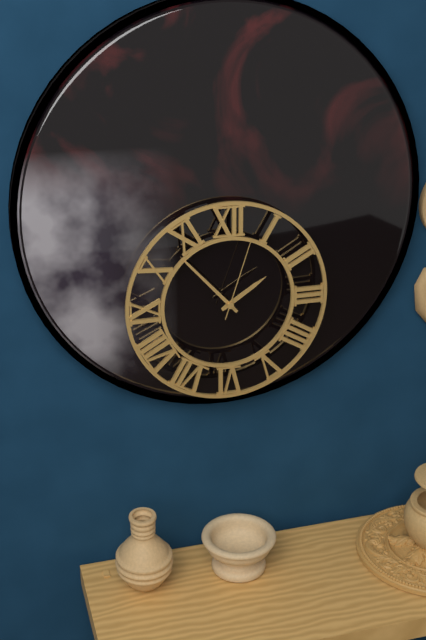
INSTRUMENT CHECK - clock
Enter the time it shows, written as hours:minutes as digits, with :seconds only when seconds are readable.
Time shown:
1:53:03
